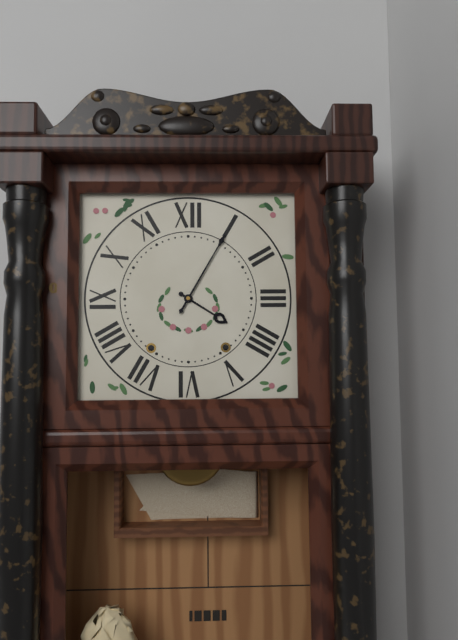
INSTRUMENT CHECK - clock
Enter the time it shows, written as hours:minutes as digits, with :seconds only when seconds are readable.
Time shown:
4:05
